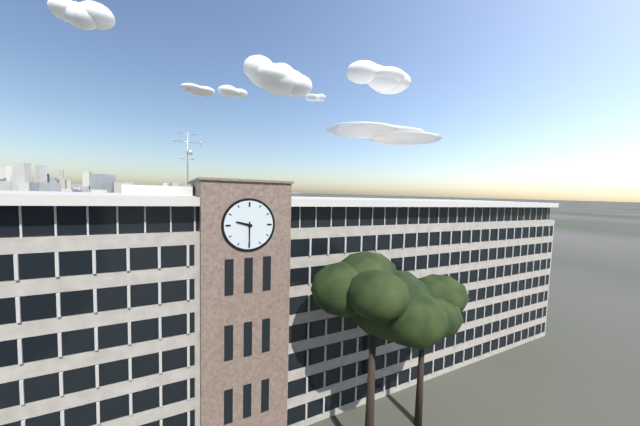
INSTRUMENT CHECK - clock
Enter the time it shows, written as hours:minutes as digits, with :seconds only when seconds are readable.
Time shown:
9:30
